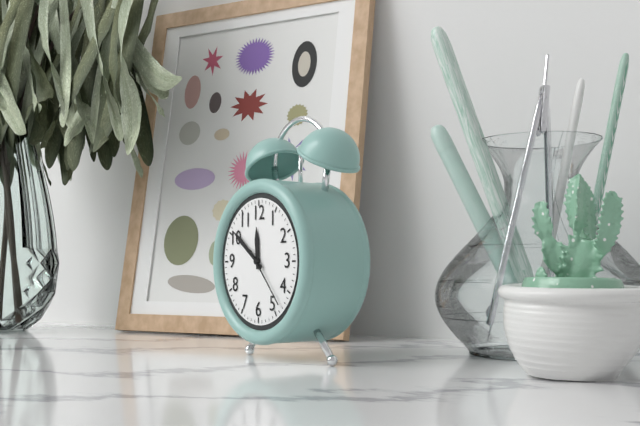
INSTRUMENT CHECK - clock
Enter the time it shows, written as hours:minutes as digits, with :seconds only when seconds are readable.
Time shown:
11:51:23
